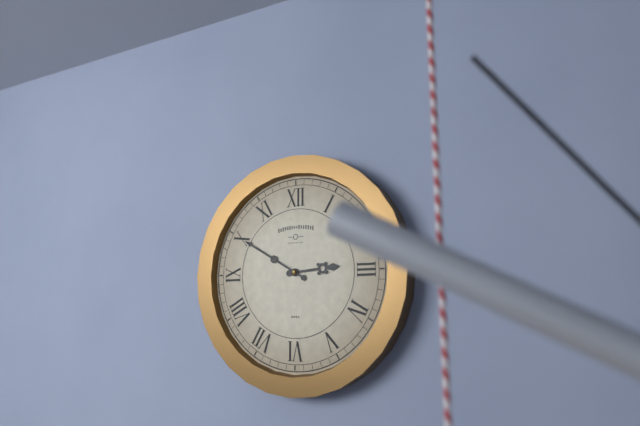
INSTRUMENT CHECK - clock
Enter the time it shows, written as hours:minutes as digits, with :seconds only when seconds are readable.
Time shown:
2:50
